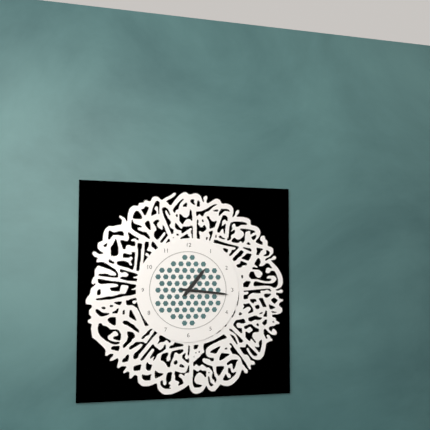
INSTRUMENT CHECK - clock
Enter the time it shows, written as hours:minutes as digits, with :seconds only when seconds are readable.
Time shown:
1:16
